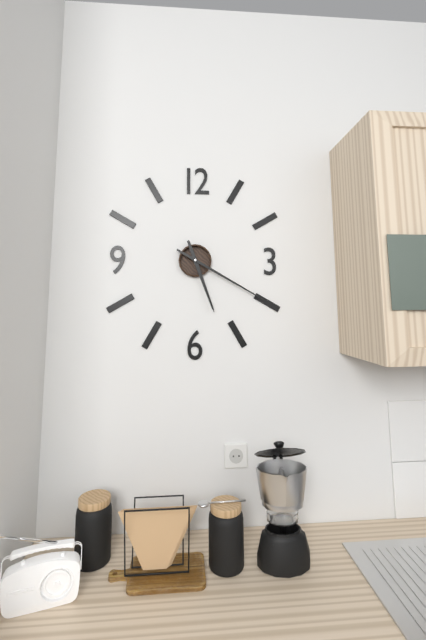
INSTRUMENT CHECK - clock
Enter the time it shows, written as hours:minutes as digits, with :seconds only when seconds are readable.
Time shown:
5:20
